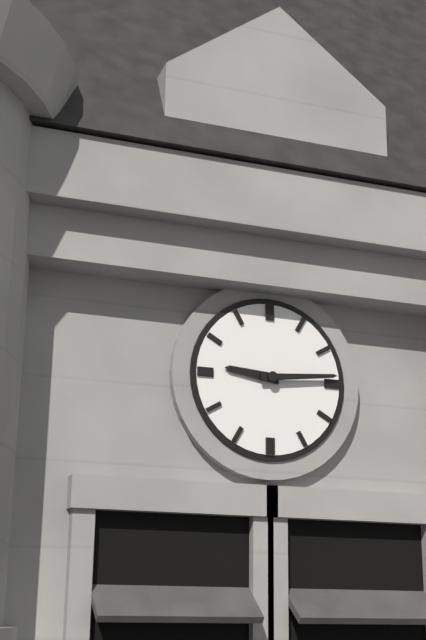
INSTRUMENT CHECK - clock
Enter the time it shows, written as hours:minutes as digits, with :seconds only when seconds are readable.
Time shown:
9:14
